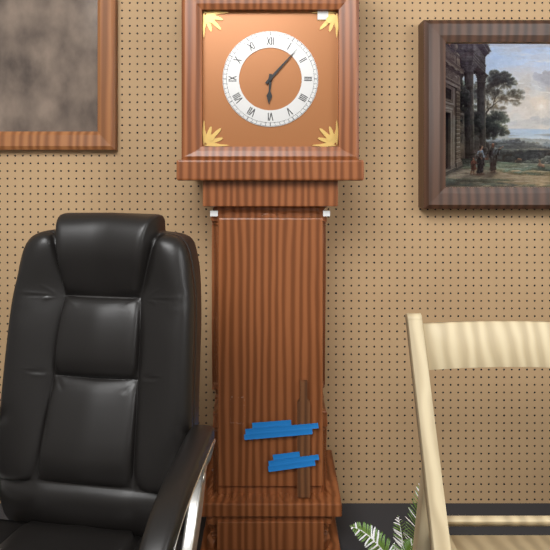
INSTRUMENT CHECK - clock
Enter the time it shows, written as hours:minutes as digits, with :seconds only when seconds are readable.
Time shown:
6:07
